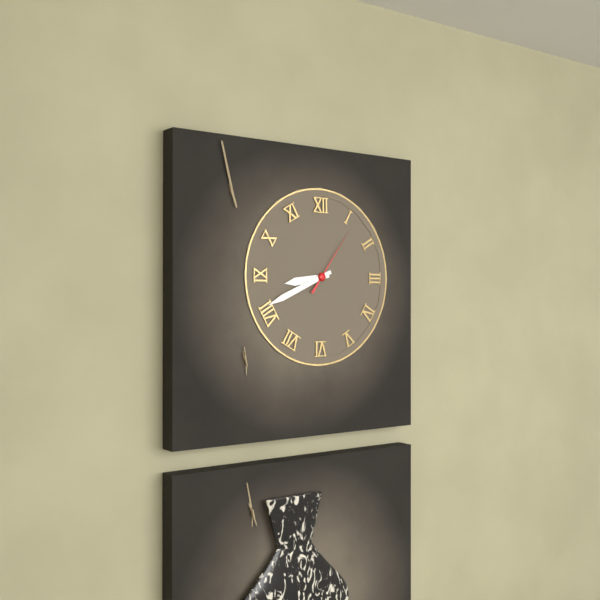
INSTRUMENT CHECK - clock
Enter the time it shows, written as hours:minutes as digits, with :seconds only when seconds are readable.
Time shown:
8:41:06
